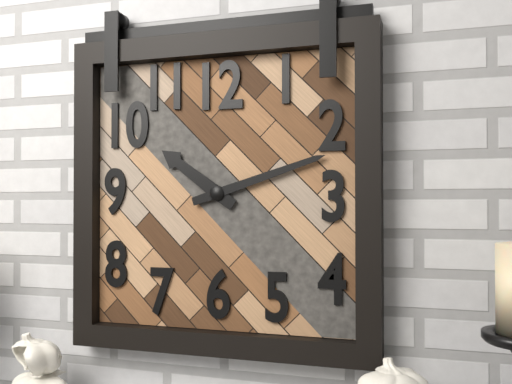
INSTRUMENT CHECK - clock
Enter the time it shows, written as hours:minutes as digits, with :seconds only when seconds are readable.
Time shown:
10:12
